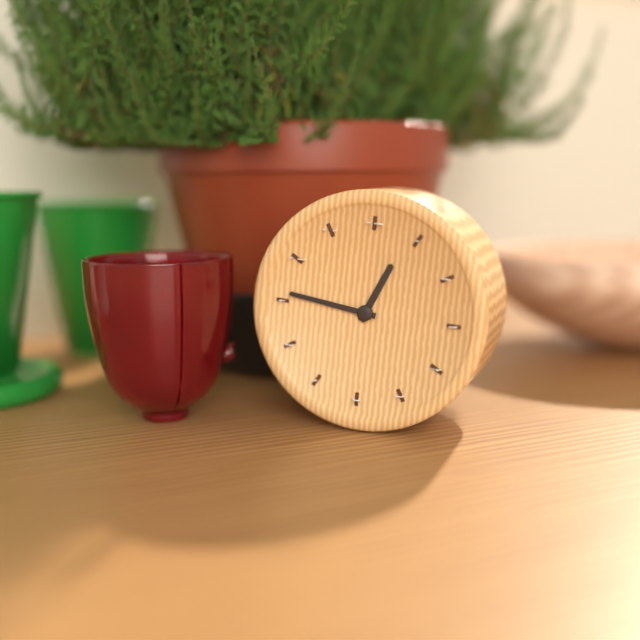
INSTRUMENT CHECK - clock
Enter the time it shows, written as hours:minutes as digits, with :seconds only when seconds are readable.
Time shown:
12:46
